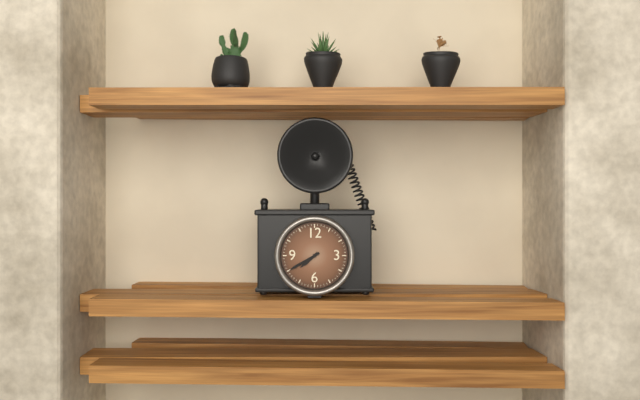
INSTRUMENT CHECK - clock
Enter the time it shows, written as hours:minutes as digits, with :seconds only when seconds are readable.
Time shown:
7:40
